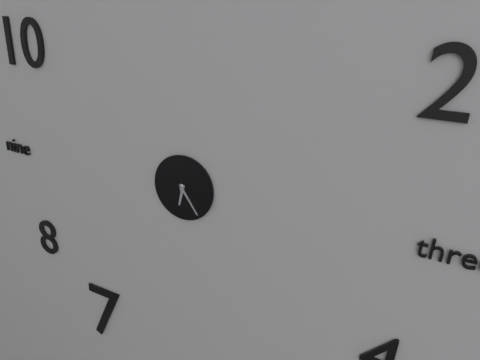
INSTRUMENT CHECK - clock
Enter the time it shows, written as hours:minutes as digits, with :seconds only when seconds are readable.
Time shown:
6:24
